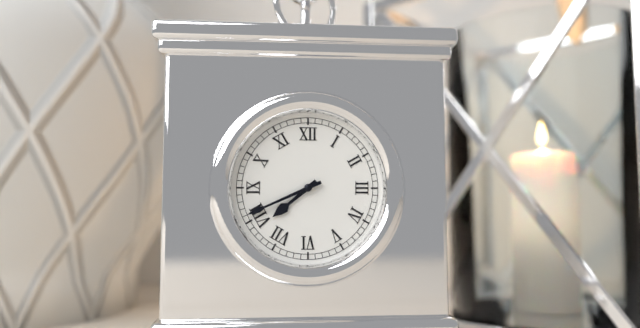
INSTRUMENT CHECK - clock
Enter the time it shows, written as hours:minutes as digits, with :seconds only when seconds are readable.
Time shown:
7:41
